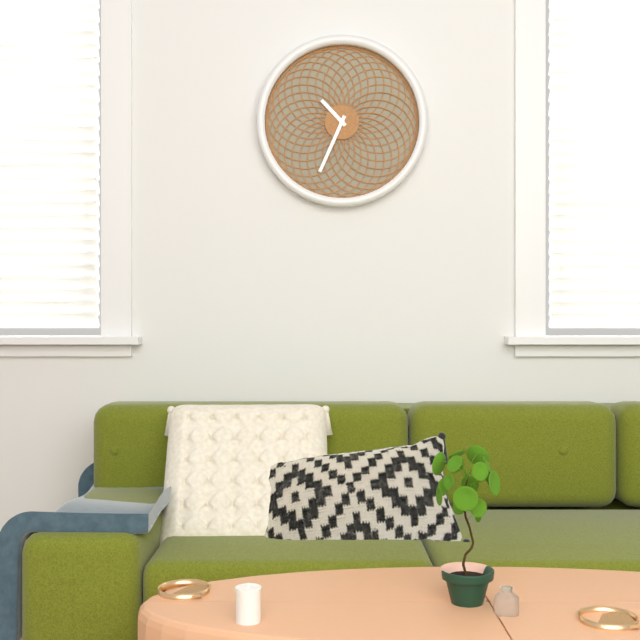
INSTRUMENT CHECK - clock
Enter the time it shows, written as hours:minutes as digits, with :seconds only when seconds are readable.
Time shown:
10:34
